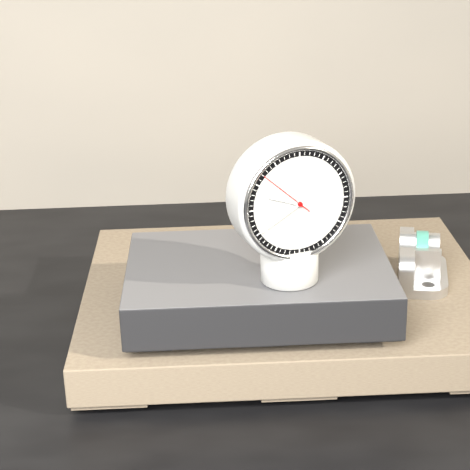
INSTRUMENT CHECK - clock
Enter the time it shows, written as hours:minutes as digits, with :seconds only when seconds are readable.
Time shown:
9:40:52
